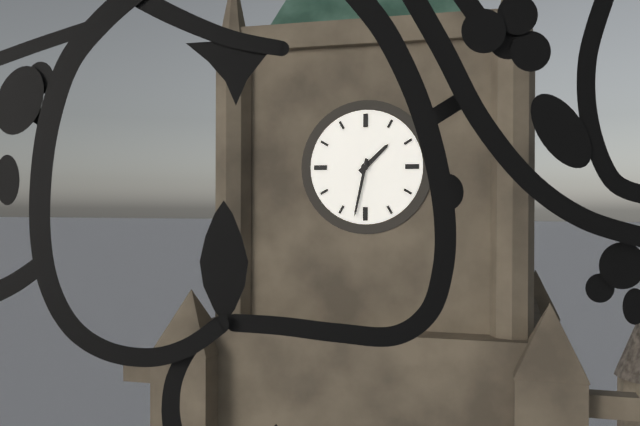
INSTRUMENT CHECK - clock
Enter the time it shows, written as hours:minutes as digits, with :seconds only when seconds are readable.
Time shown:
1:32
